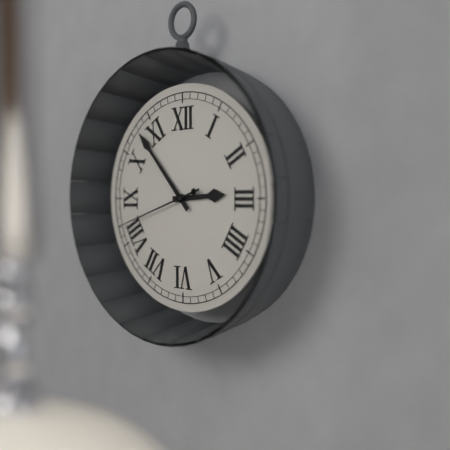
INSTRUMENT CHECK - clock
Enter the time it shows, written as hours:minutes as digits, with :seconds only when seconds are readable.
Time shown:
2:53:42
